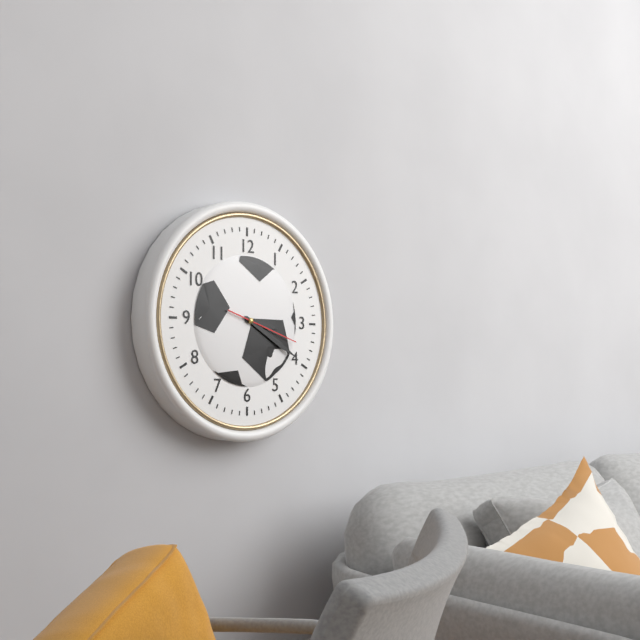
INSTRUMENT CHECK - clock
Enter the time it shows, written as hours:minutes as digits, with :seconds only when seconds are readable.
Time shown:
3:20:18
